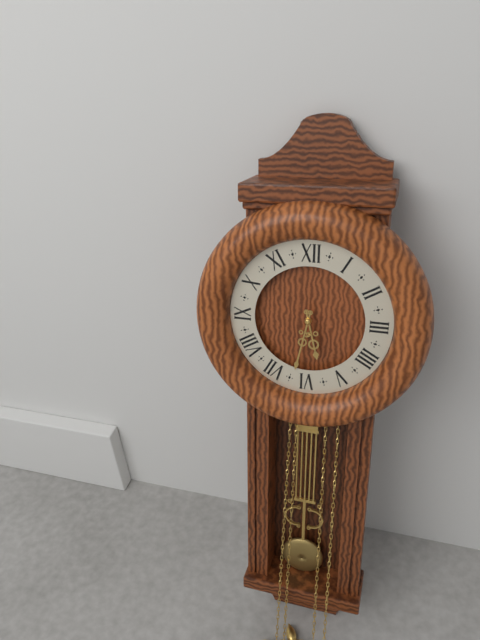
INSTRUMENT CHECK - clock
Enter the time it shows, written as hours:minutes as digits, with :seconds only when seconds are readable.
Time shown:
5:32
